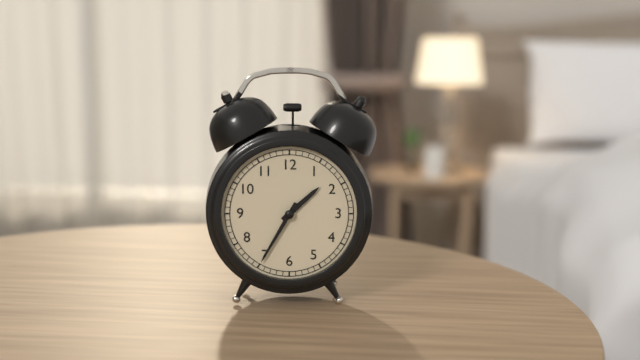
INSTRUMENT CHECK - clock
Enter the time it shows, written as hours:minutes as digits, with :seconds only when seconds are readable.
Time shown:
1:35
